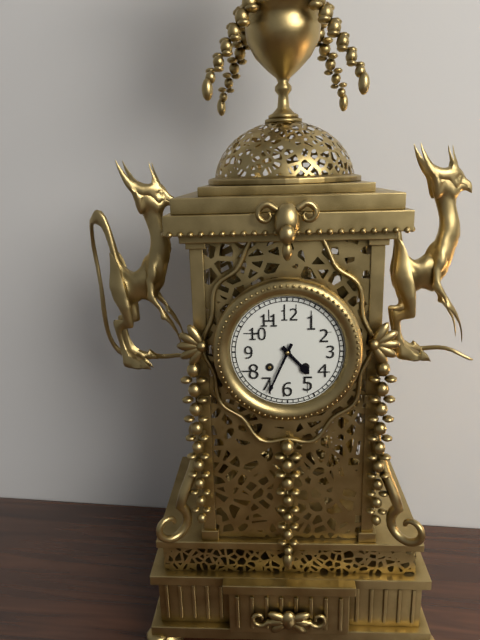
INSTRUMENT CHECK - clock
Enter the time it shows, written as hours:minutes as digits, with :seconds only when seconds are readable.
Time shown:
4:34
